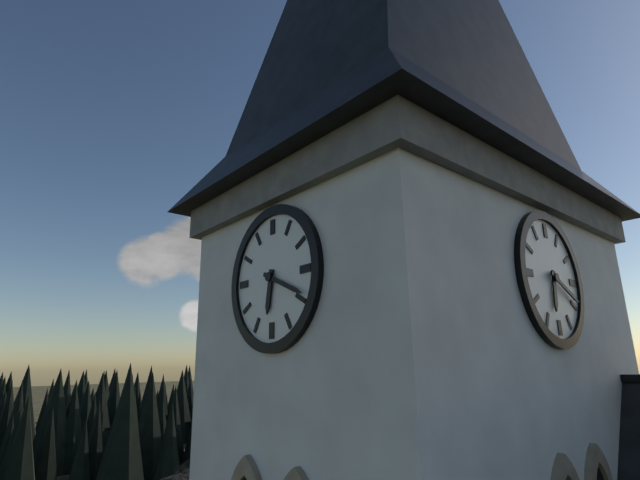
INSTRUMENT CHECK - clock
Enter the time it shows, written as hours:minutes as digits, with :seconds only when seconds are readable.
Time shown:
6:19
